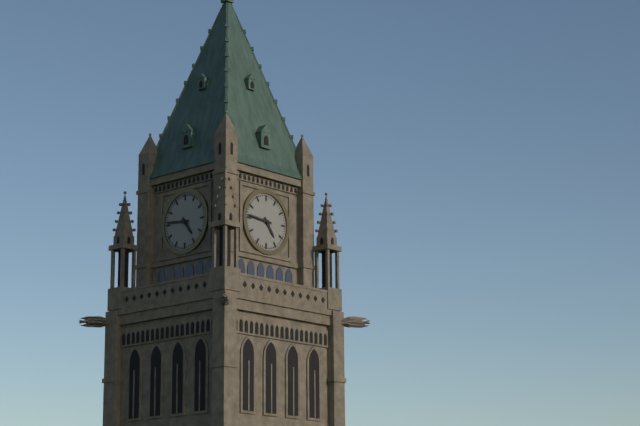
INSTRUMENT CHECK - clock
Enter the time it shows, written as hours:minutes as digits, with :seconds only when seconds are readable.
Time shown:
4:46
